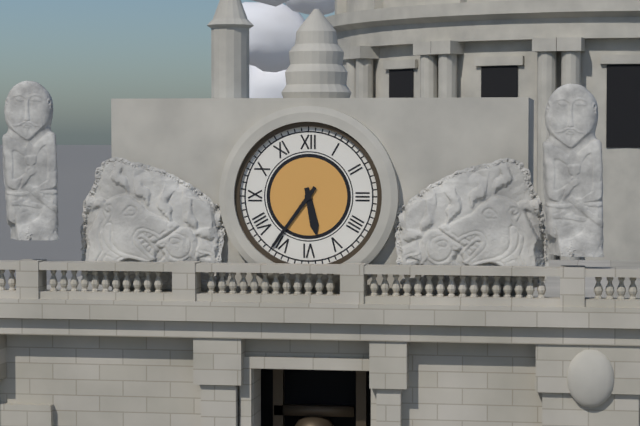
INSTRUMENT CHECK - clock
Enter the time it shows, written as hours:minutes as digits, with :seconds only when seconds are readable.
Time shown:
5:36
